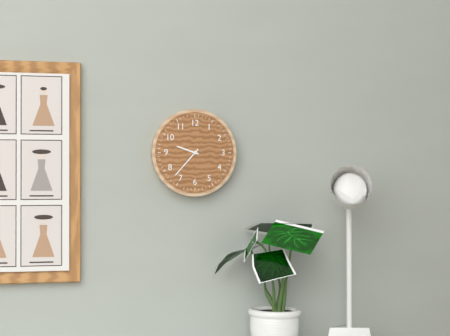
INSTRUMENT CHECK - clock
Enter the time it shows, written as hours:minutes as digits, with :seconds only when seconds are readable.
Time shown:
9:37
